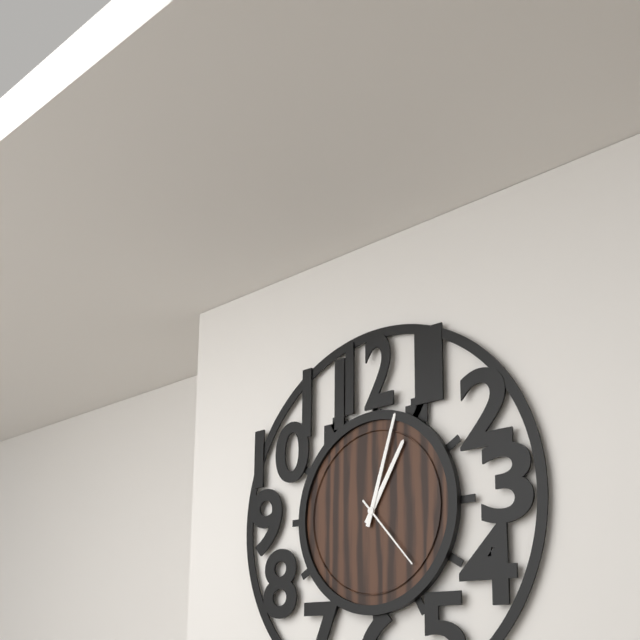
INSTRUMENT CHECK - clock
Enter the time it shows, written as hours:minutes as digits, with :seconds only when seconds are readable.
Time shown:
1:03:23
